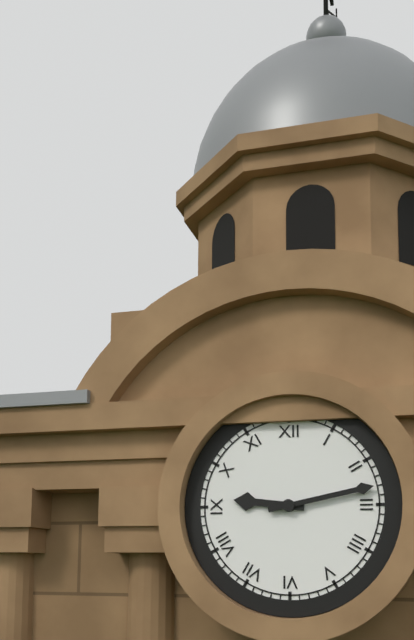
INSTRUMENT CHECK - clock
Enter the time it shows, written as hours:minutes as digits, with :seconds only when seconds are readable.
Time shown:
9:13
